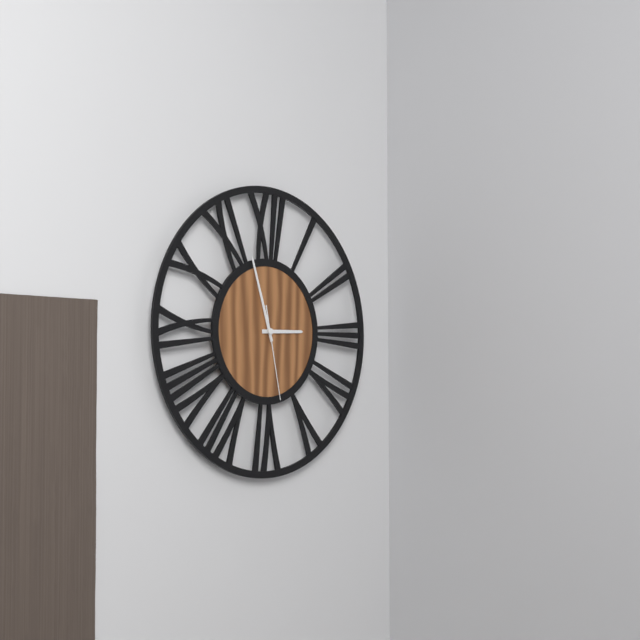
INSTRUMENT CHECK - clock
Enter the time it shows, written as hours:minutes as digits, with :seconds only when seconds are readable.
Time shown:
2:57:28
